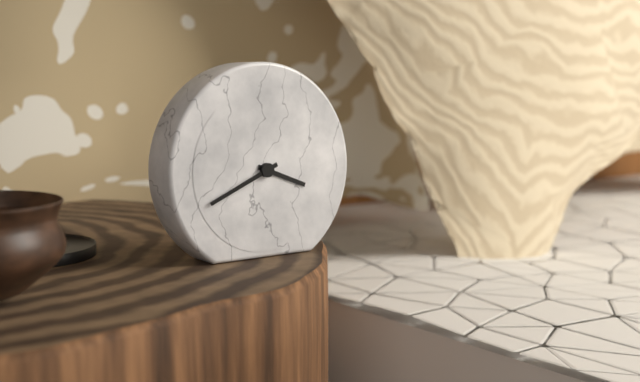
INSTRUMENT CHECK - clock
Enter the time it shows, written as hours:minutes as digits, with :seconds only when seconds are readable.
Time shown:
3:41
